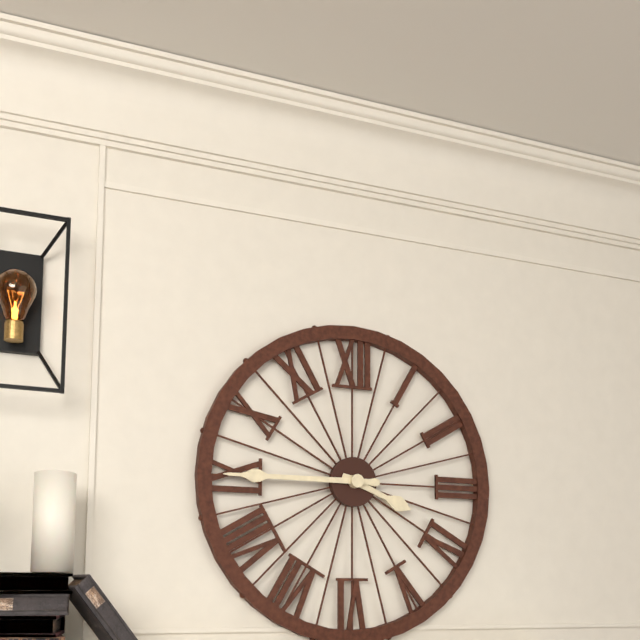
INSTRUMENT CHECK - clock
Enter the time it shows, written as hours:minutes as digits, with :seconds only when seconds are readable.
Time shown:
3:45
